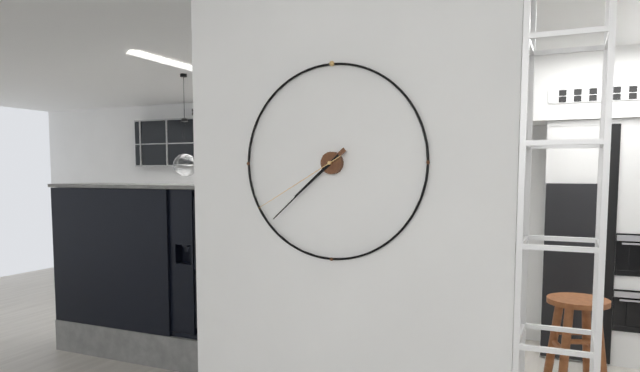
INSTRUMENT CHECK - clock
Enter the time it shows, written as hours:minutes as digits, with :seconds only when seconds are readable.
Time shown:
7:38:40
